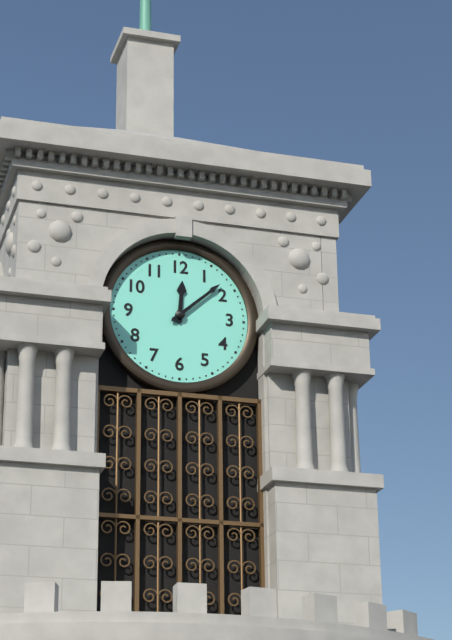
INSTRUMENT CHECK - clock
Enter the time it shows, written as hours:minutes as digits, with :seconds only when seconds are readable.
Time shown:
12:08
